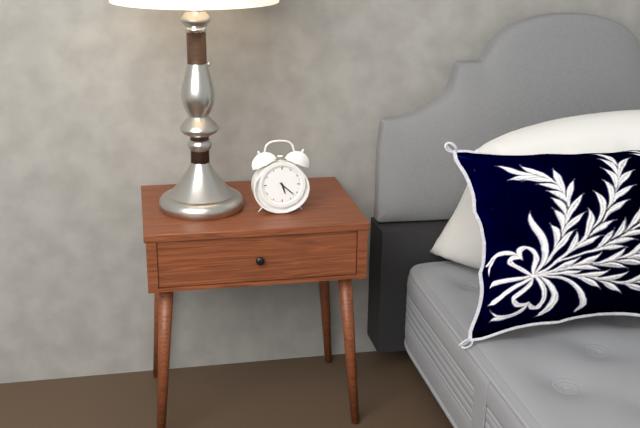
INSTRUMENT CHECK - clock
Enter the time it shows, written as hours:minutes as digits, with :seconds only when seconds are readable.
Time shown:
5:22
